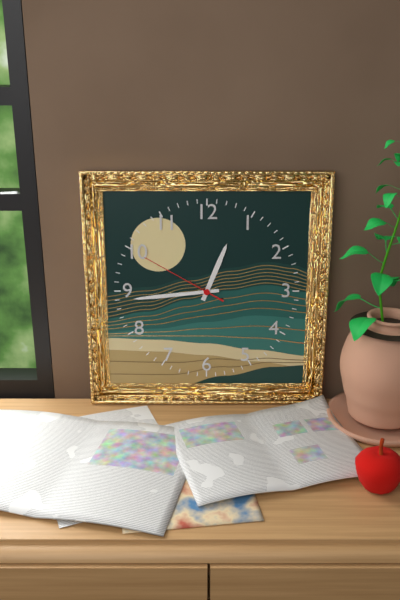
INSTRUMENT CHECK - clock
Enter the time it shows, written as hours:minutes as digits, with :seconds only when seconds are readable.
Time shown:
12:44:50
